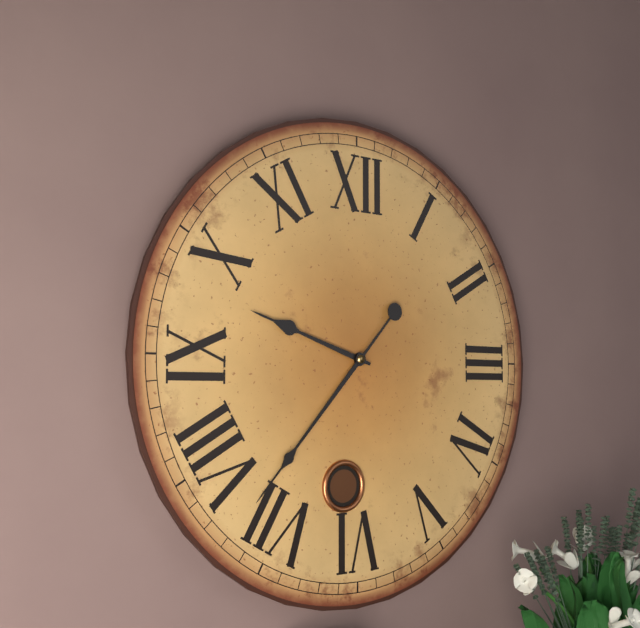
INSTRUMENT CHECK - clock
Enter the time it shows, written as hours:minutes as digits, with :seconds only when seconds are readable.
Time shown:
9:37
